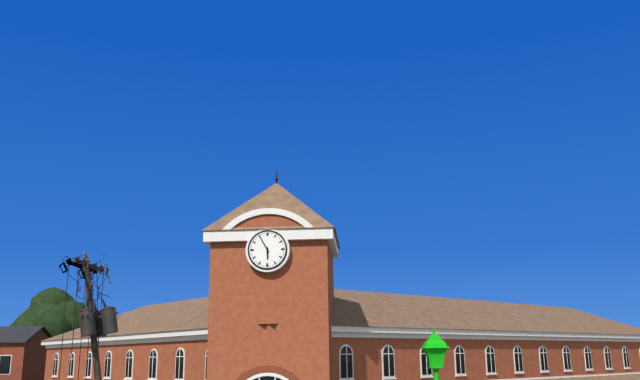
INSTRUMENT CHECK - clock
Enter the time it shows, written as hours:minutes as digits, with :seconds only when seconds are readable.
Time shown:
5:55
